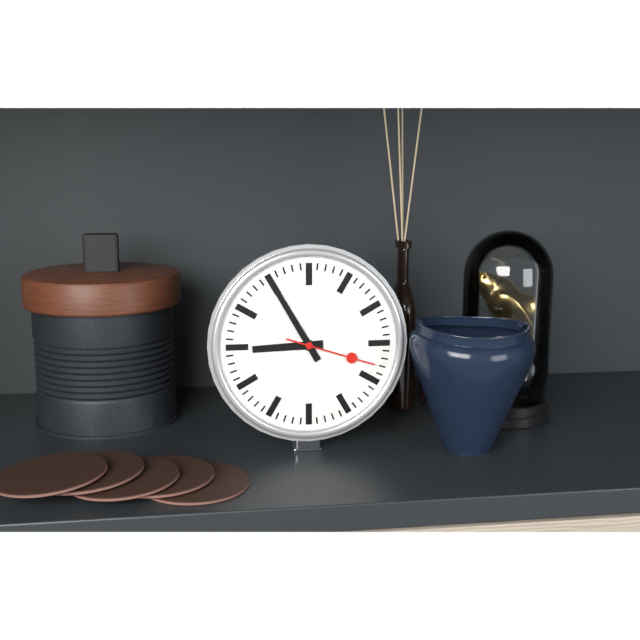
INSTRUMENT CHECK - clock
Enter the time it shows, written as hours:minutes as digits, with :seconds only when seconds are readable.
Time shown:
8:55:18
